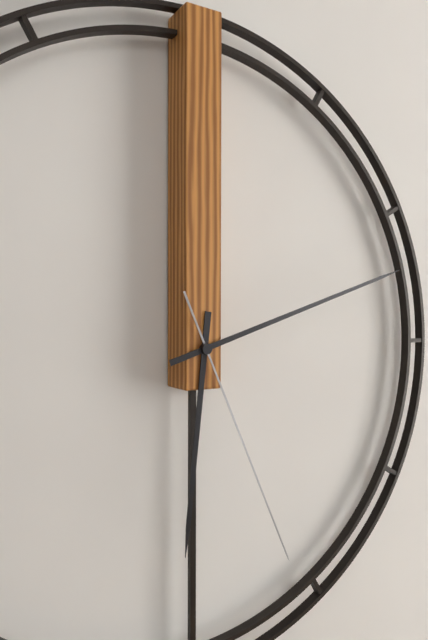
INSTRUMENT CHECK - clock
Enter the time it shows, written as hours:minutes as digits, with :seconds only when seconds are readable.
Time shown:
6:12:26
